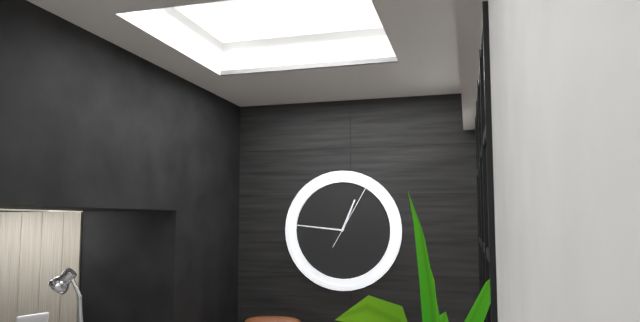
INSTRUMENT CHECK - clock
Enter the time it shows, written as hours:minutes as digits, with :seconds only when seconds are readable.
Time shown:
12:46:05
